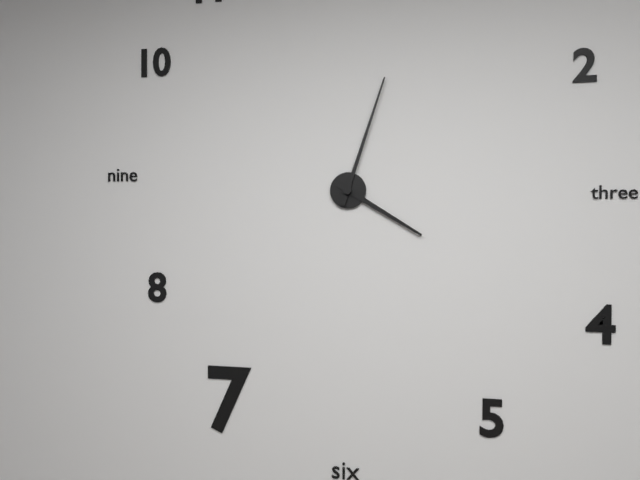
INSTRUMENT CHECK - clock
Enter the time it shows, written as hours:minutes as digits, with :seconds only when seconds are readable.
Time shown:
4:03
